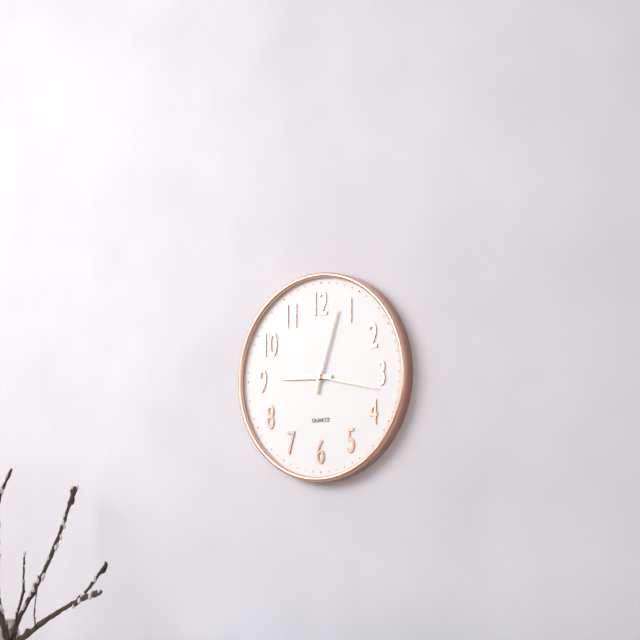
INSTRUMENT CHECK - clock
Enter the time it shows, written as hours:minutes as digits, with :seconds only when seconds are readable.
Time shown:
9:03:17
